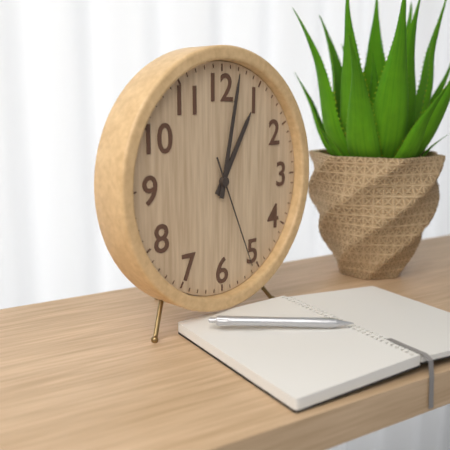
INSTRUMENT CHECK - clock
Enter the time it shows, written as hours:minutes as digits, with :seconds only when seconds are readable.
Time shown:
1:02:26
